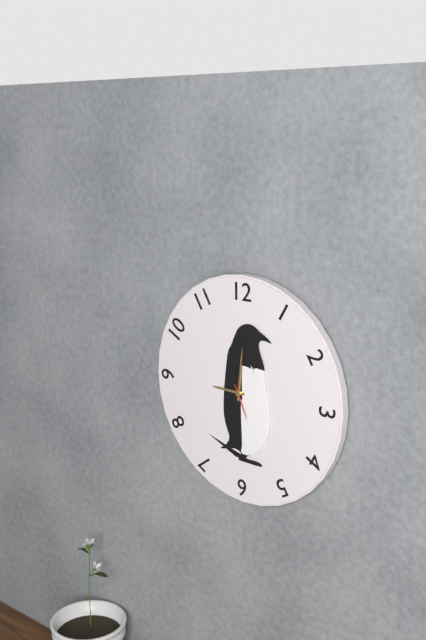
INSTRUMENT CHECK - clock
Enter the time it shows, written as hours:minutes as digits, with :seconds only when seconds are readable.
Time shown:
9:01
